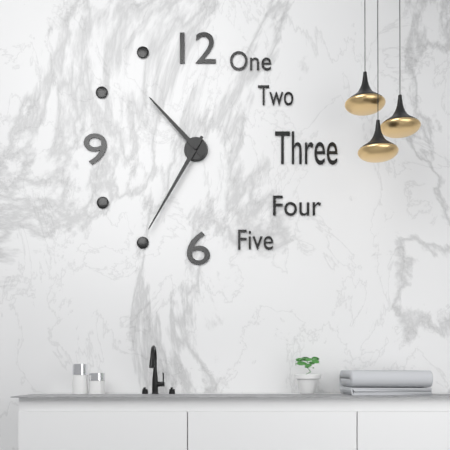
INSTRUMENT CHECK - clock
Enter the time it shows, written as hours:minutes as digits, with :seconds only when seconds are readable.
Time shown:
10:35
